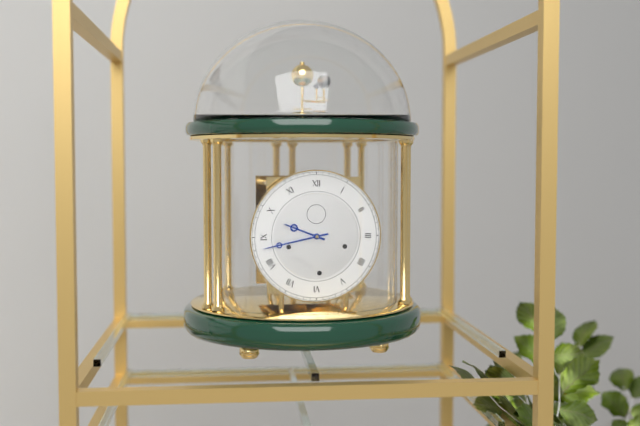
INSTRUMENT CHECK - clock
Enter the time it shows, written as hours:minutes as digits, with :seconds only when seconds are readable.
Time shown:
9:43
